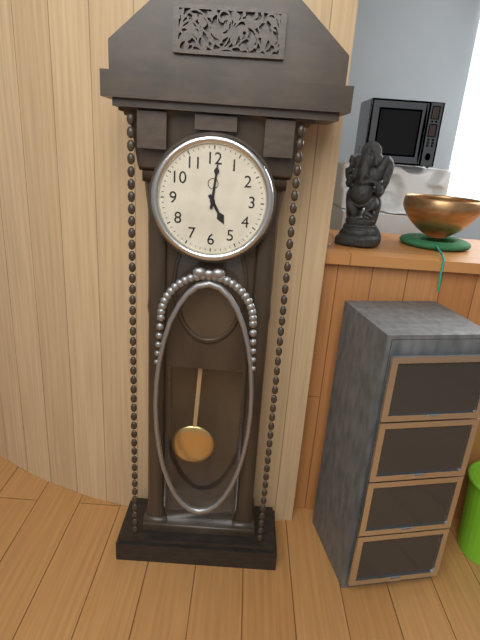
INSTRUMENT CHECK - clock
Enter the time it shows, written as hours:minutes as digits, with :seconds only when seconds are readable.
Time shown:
5:01
